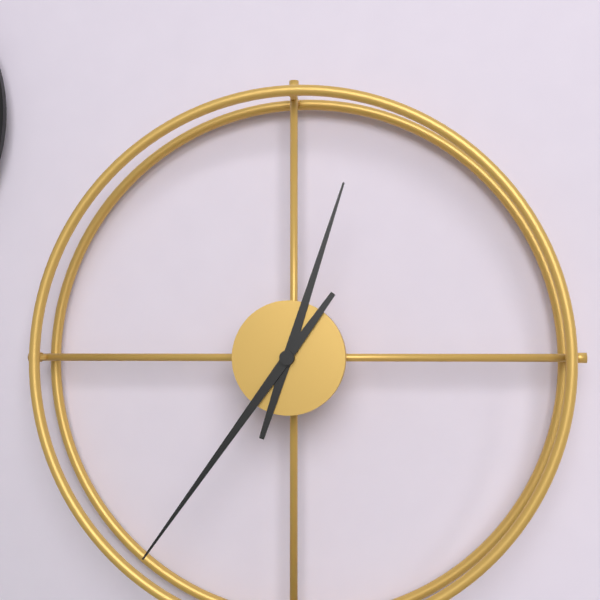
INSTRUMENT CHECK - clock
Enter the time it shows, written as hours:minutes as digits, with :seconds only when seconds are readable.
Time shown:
12:36
